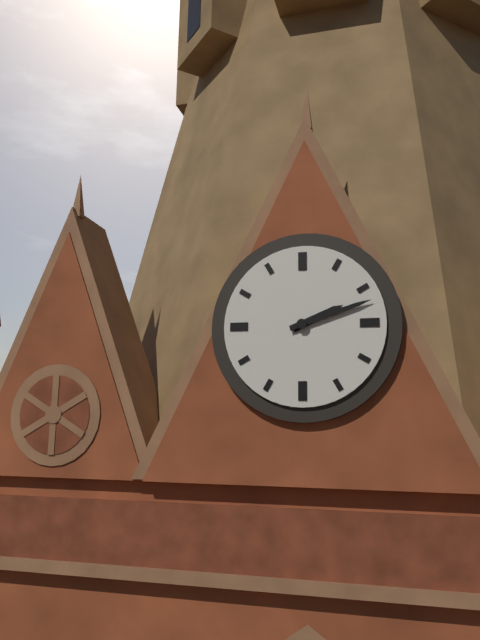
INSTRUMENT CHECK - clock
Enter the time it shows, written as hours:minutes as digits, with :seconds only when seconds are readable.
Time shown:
2:12
